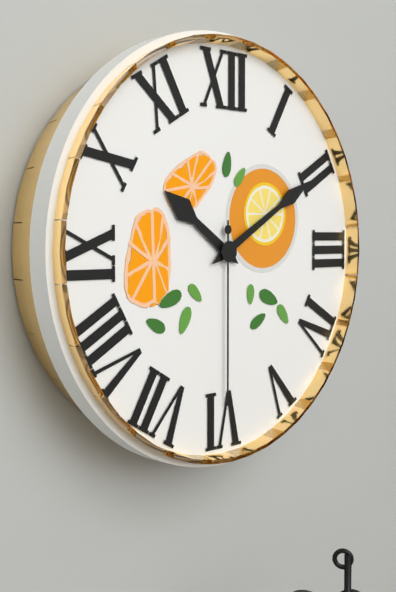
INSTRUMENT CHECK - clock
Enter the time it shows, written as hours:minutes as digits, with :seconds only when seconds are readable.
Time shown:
10:10:30
